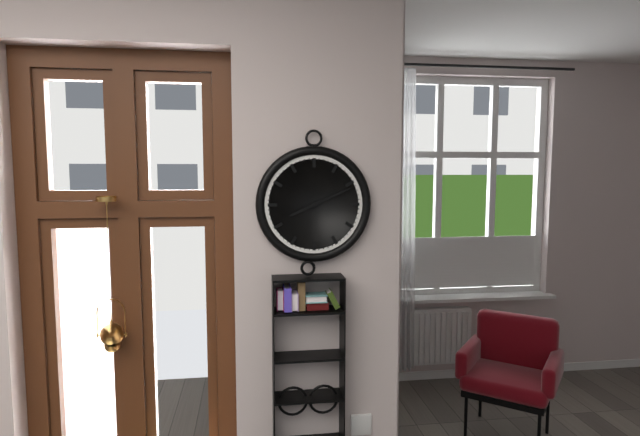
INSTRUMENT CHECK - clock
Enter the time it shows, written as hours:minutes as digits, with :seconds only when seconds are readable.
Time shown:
8:11
